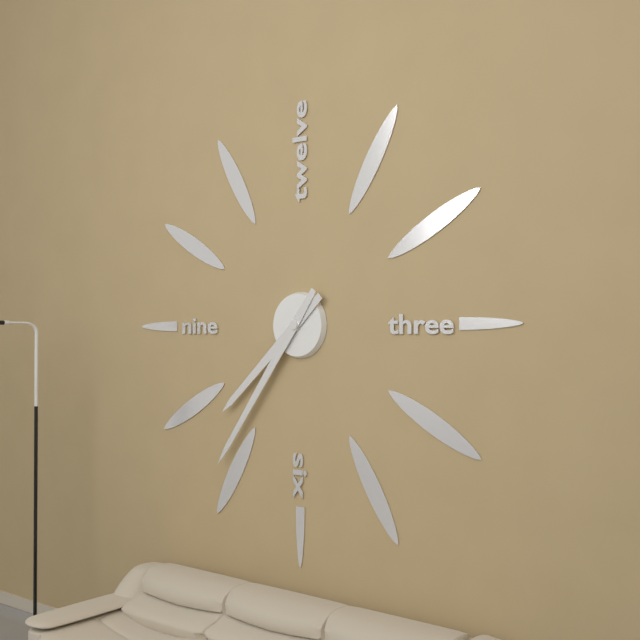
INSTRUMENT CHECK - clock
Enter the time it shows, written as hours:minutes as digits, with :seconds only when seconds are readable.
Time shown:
7:36
